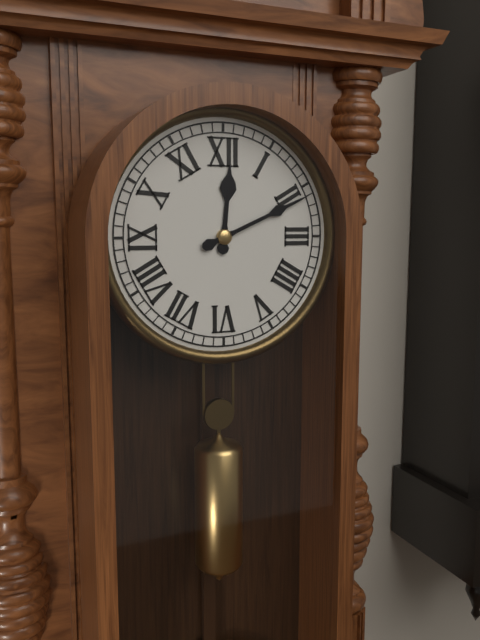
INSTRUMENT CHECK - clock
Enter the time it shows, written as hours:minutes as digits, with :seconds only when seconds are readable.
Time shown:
12:11
